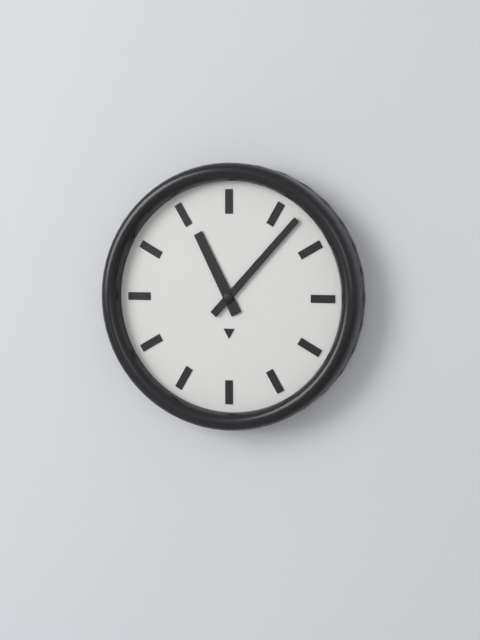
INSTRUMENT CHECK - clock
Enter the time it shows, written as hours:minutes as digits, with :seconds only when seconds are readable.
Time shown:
11:07
